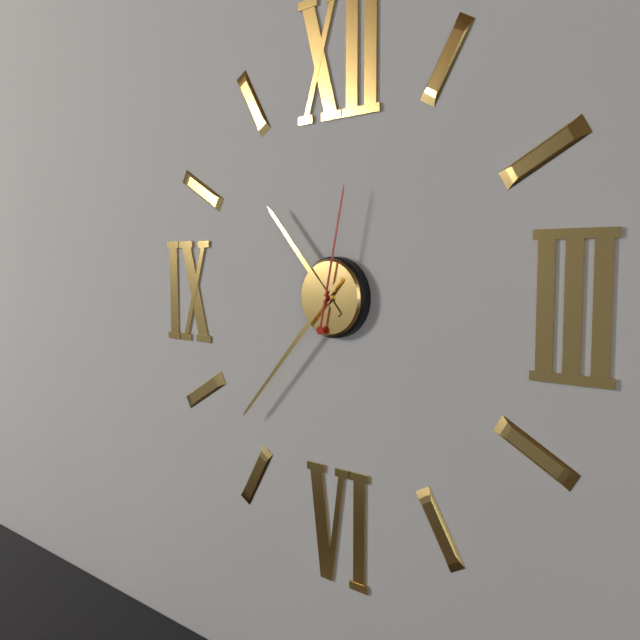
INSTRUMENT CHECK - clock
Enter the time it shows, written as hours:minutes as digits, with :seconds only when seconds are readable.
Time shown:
10:37:02
